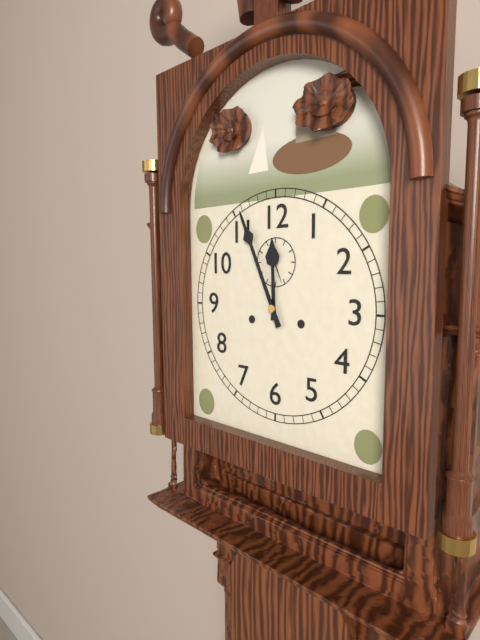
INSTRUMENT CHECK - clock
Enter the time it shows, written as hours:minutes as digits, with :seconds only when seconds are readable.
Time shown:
11:56
